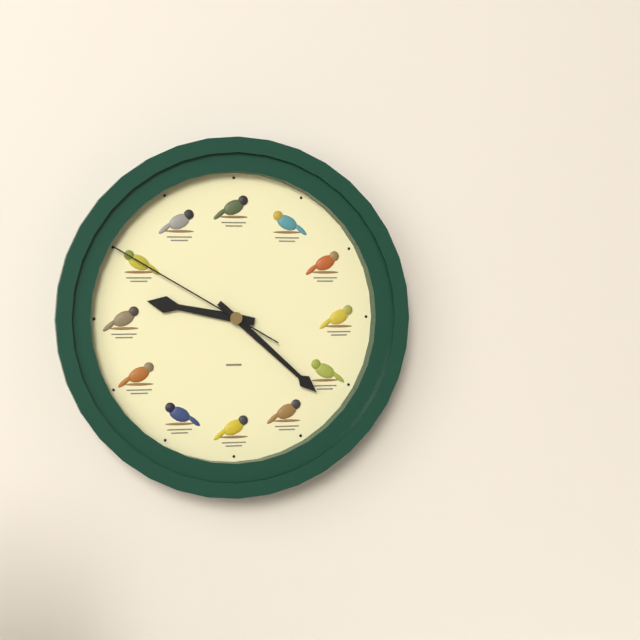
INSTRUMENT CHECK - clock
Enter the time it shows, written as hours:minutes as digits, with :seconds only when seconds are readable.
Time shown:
9:22:50
